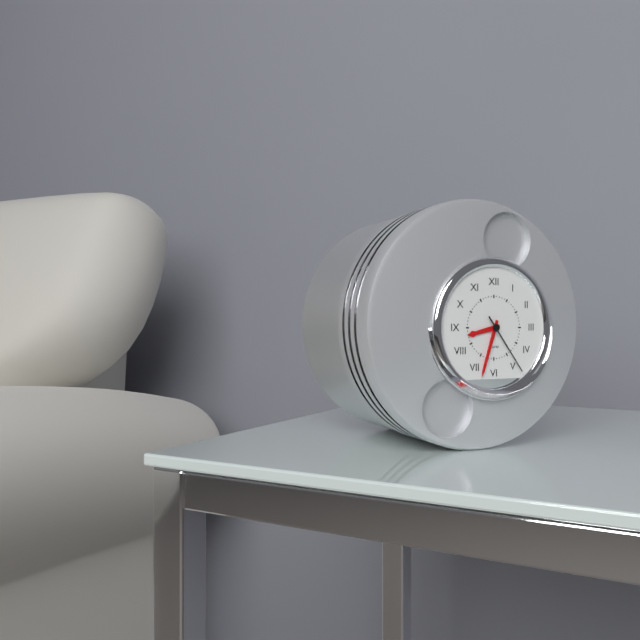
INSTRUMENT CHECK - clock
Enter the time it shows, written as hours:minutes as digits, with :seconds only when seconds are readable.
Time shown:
8:33:24
